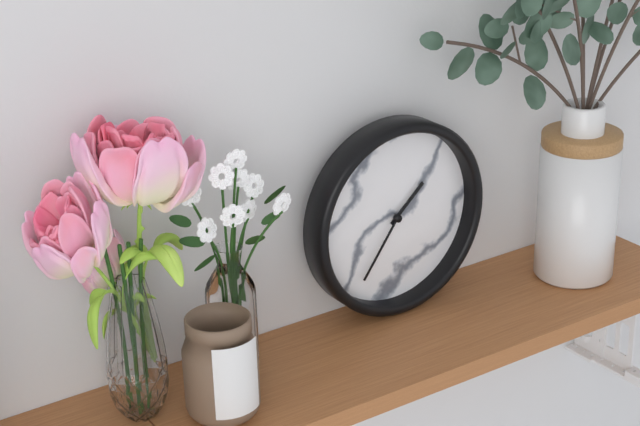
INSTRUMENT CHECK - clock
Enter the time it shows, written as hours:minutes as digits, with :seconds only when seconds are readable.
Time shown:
1:36
